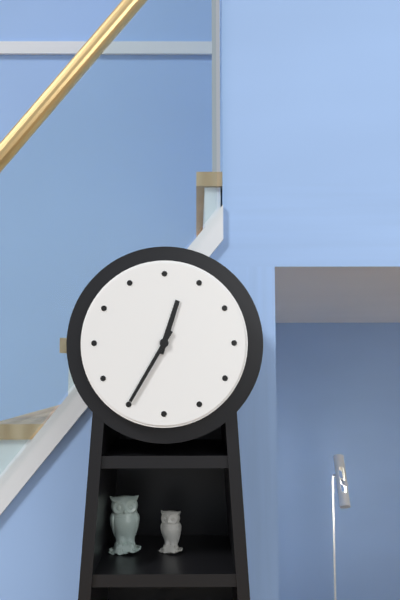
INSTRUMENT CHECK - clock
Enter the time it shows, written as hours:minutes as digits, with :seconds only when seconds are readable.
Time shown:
12:35
